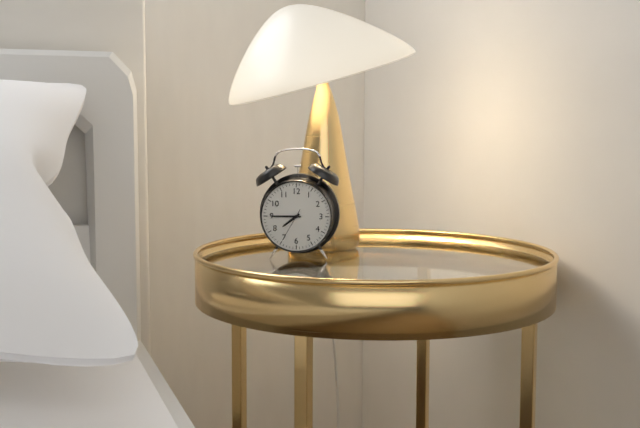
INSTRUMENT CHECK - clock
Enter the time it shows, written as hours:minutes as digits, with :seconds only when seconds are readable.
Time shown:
7:45
